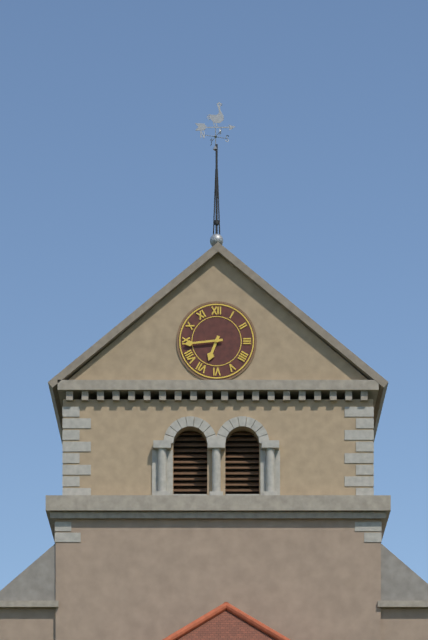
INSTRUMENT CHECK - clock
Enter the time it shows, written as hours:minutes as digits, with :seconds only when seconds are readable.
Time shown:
6:44
